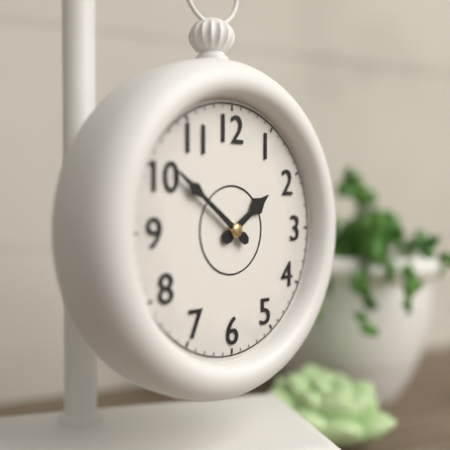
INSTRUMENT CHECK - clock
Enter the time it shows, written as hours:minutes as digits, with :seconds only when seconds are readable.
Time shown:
1:51
